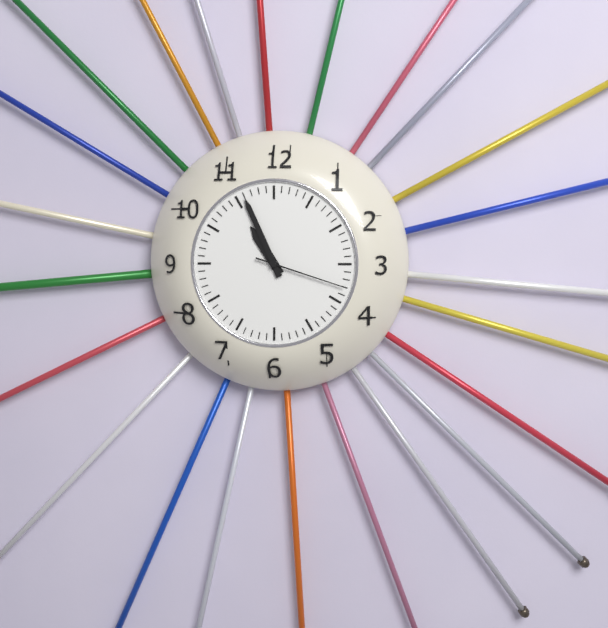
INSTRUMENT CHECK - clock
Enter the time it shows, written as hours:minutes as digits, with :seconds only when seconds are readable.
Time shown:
10:56:18
